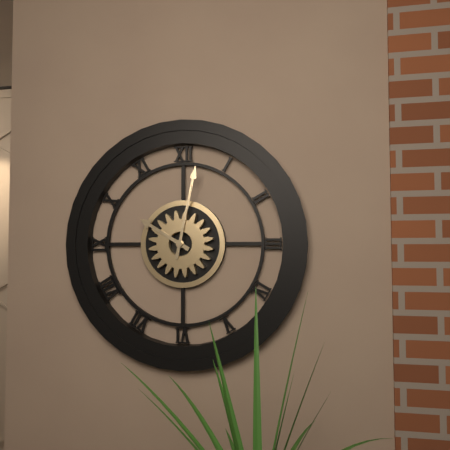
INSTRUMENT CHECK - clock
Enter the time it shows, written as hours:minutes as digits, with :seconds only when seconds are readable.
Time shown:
10:02
